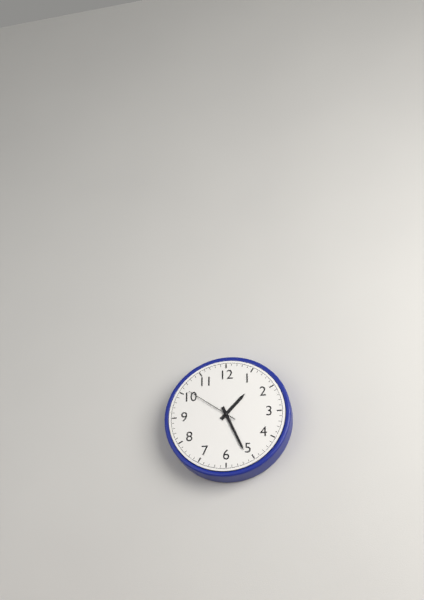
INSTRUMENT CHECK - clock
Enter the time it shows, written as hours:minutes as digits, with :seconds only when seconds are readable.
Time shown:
1:26:51
